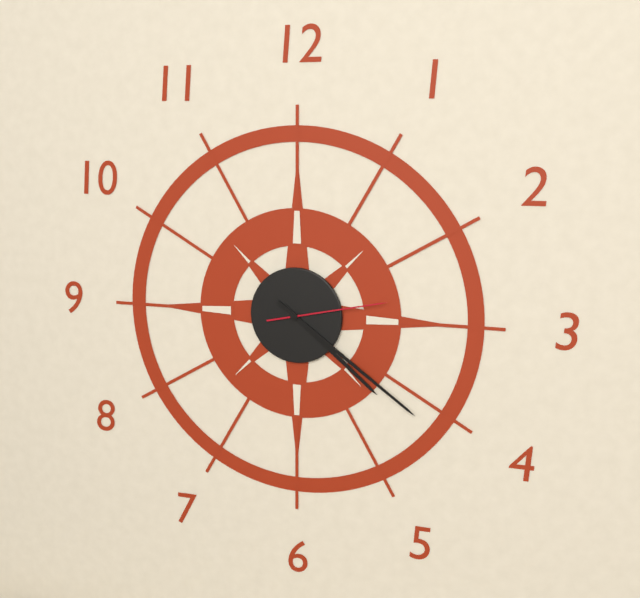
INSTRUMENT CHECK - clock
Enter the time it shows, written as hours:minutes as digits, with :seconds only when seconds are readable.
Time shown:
4:21:13
